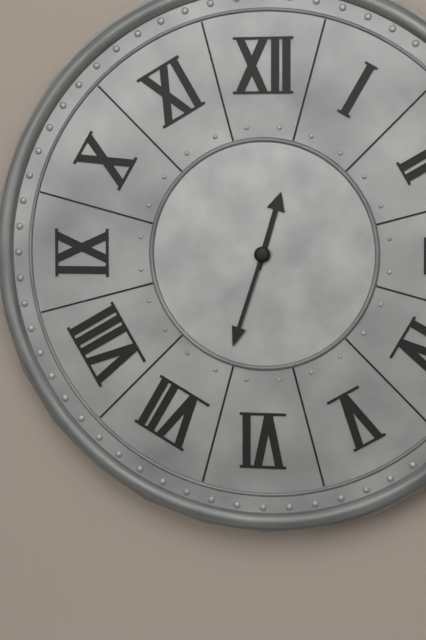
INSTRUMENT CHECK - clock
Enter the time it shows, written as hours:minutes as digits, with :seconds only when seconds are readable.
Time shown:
12:33
